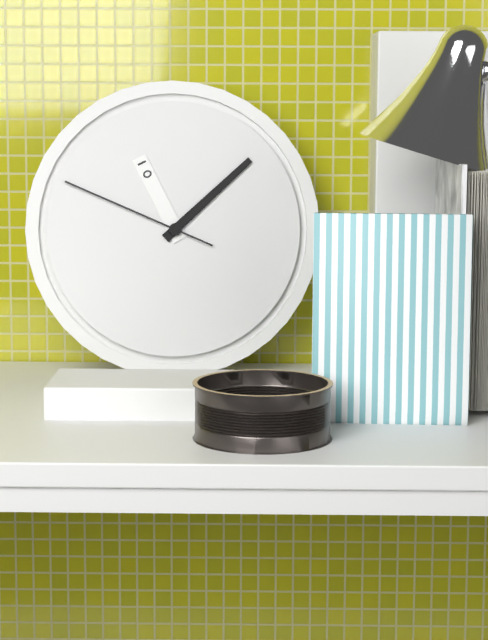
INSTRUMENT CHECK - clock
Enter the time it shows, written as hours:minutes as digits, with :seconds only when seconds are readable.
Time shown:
11:08:49
